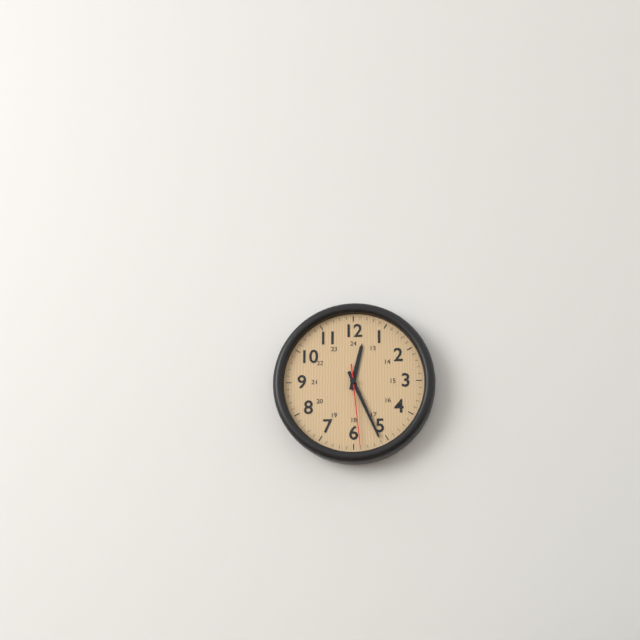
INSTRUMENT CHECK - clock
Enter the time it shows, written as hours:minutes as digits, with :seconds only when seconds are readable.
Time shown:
12:26:29
